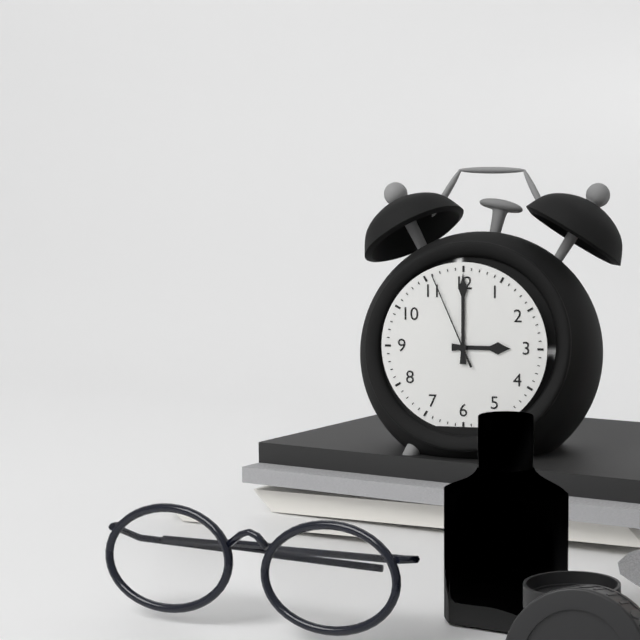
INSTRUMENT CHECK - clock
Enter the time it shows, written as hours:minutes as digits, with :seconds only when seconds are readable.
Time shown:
3:00:56
